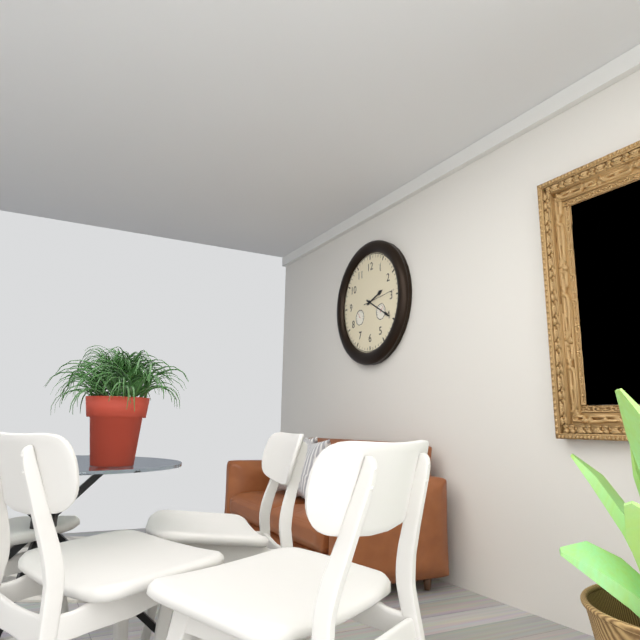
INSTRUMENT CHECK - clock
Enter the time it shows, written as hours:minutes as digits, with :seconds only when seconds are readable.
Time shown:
2:20
